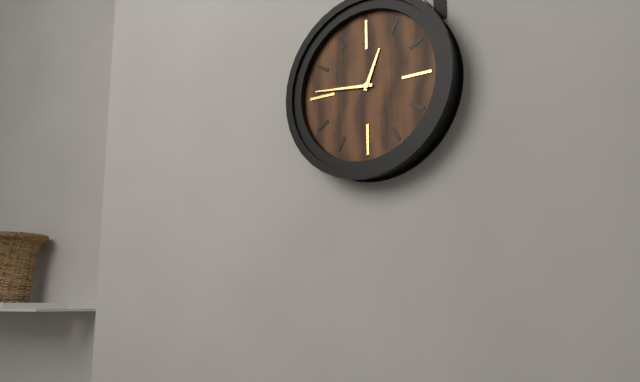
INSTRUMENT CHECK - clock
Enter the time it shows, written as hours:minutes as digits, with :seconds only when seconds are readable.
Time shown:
12:46
